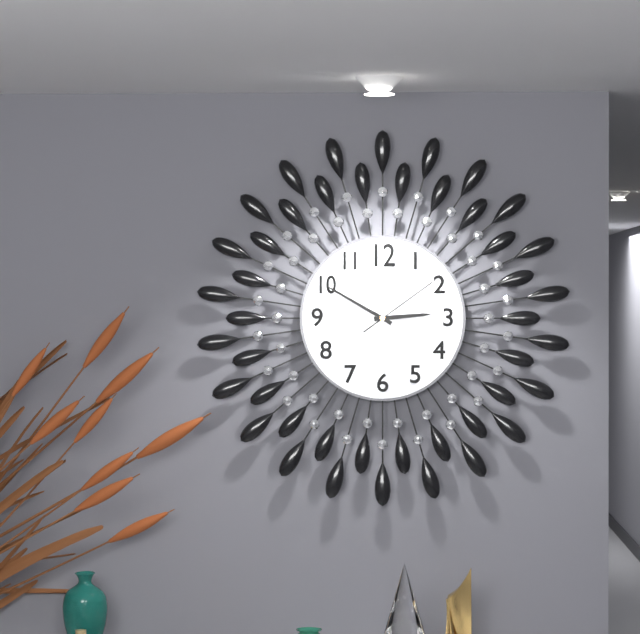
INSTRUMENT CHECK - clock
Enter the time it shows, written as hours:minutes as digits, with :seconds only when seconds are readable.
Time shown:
2:50:09
